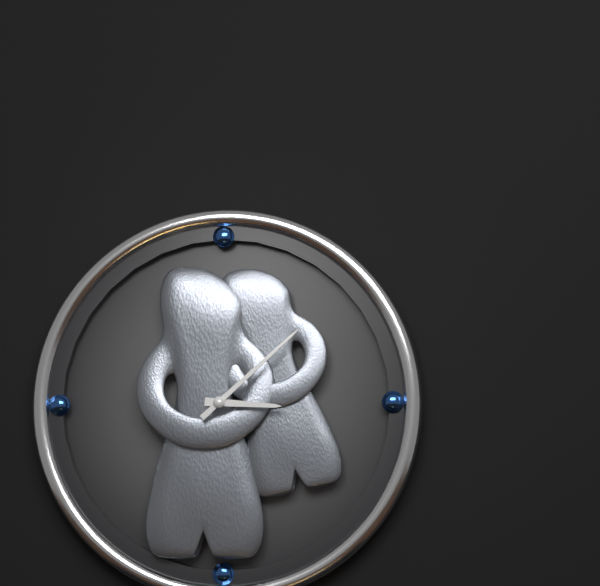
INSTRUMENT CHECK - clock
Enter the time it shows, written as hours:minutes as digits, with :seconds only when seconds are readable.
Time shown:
3:08
